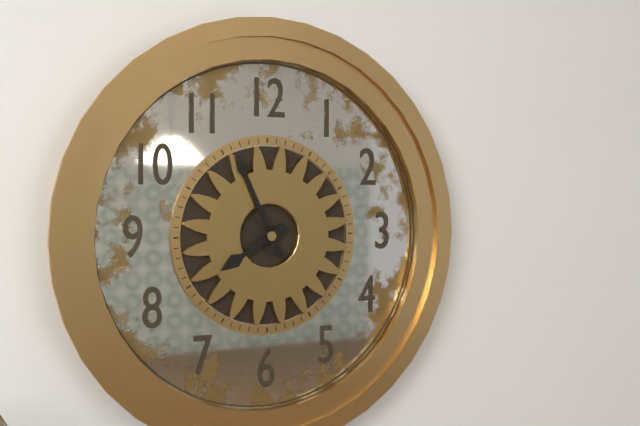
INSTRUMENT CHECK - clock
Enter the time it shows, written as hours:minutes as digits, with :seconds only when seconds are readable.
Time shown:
7:56
